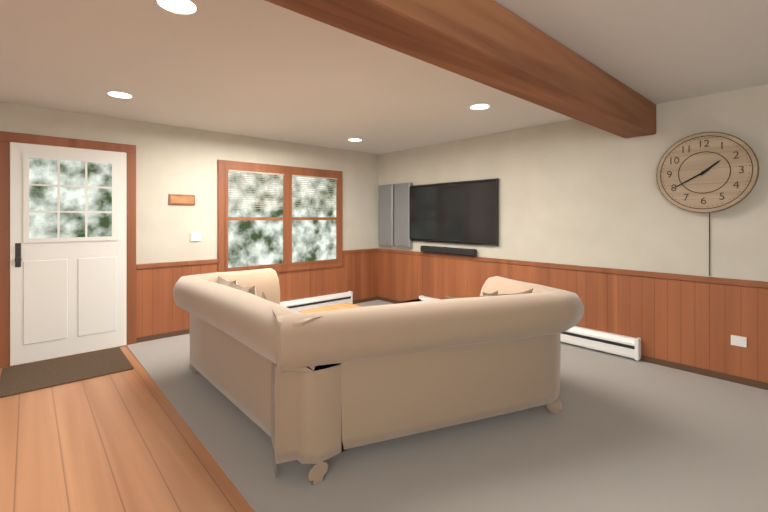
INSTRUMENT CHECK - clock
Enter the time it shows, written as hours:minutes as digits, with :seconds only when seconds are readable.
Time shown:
1:40
